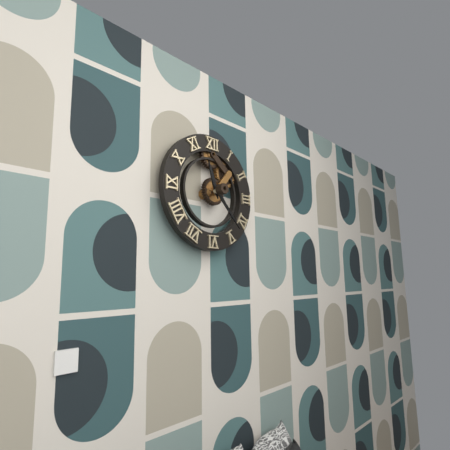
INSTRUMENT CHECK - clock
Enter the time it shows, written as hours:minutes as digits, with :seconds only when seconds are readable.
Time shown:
11:23
